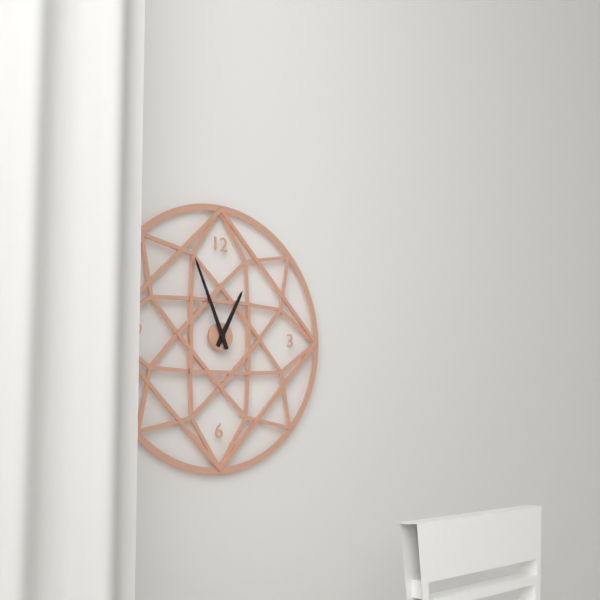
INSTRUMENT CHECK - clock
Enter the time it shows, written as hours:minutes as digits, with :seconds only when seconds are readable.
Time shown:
12:56
